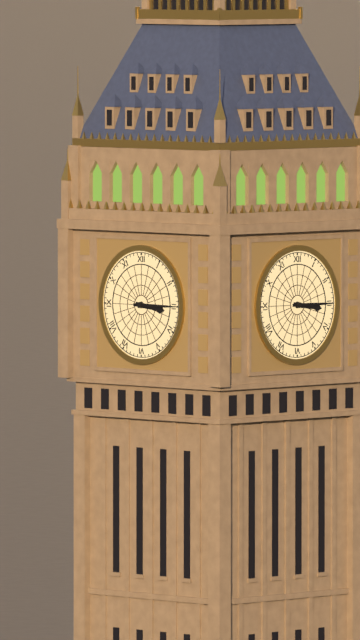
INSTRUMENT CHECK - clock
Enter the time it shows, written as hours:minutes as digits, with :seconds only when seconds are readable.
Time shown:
3:15
